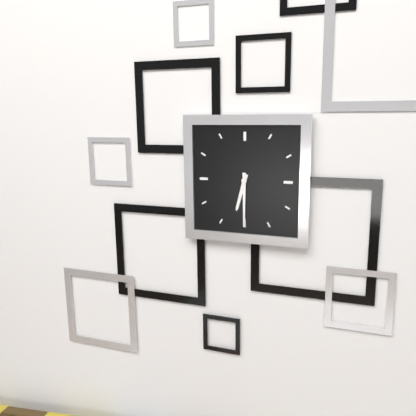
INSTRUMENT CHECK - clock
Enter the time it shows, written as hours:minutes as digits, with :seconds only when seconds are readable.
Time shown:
6:30
